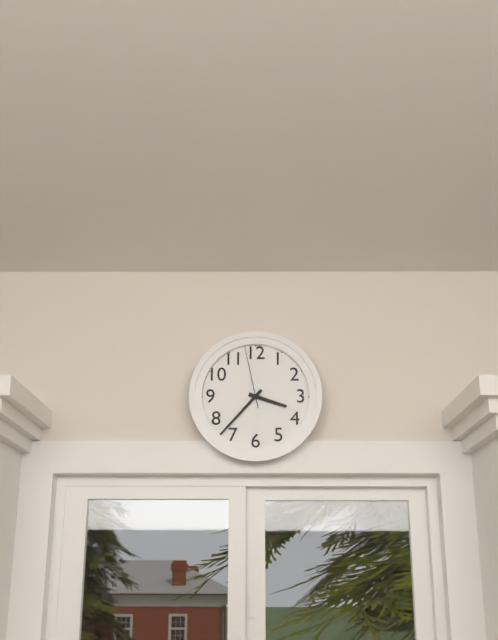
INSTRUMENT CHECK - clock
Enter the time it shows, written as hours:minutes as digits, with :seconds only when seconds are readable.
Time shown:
3:37:58
